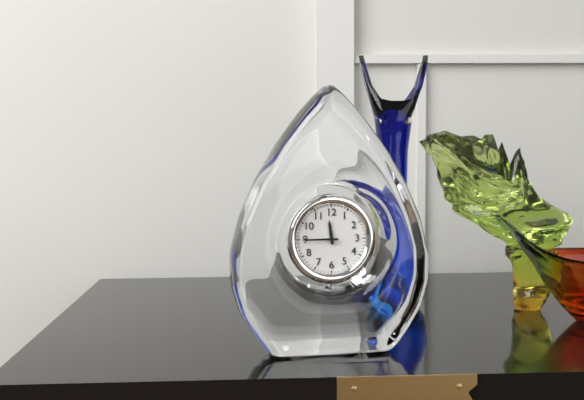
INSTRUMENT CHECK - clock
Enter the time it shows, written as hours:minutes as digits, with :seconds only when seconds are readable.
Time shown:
11:45
